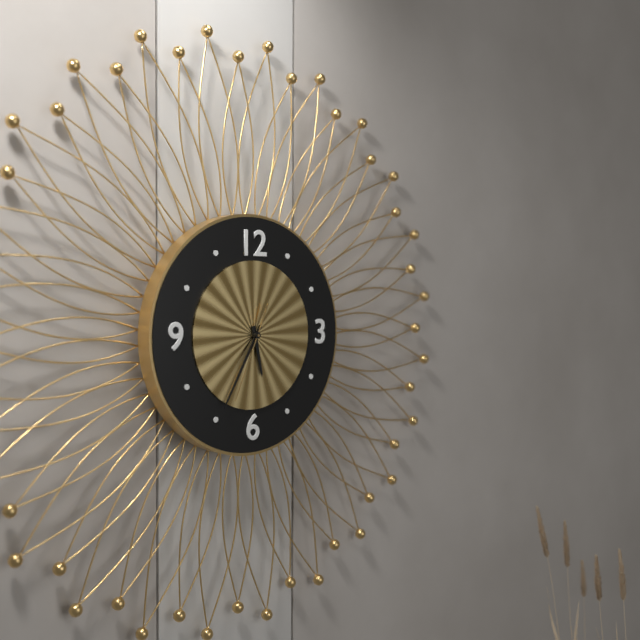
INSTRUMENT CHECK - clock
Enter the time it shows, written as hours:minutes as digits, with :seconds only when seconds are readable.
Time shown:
5:35:34
